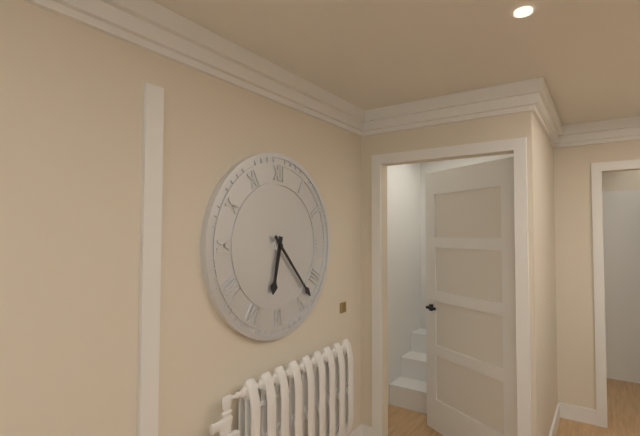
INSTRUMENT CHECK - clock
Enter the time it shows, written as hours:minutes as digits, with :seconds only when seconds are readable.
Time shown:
6:23
